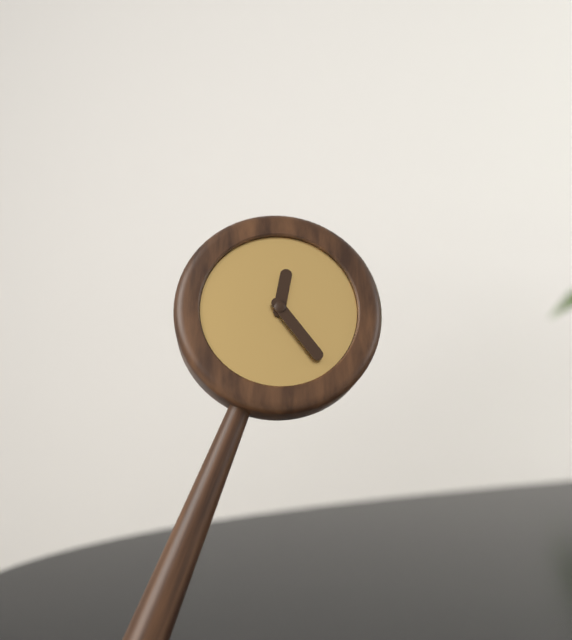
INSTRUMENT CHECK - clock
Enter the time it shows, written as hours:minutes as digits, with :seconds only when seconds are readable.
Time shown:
12:24
